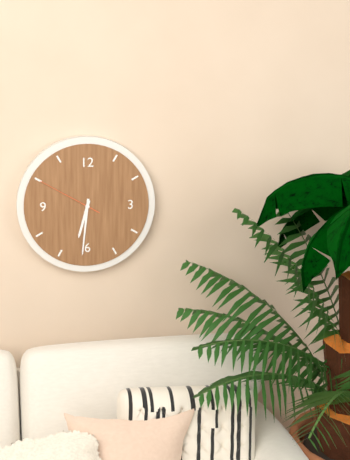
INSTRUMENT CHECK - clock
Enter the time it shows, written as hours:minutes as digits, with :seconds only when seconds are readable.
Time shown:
6:31:50
